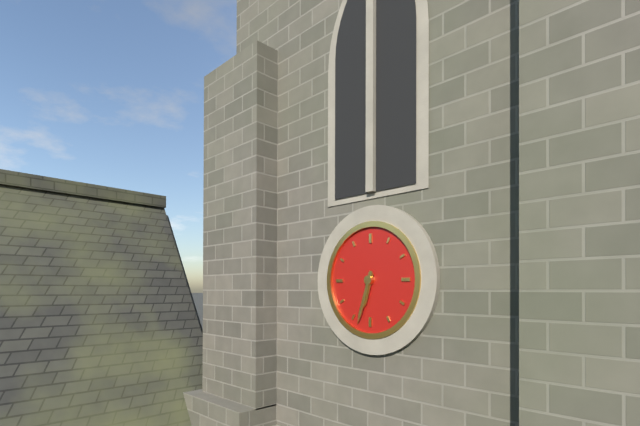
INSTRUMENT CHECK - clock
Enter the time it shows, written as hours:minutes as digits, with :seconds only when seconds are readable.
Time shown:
6:33
